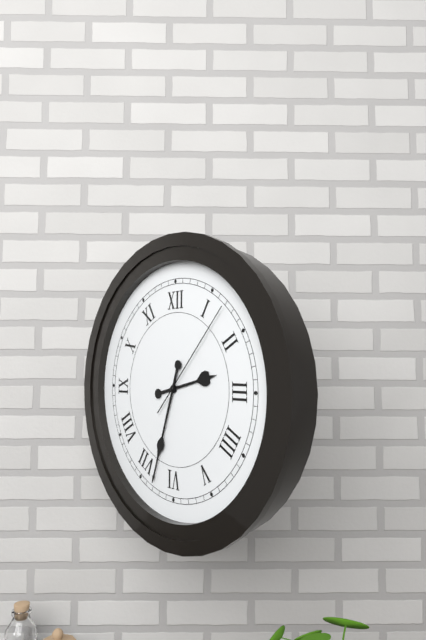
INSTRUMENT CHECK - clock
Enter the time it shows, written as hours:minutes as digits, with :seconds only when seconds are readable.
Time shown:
2:33:07
